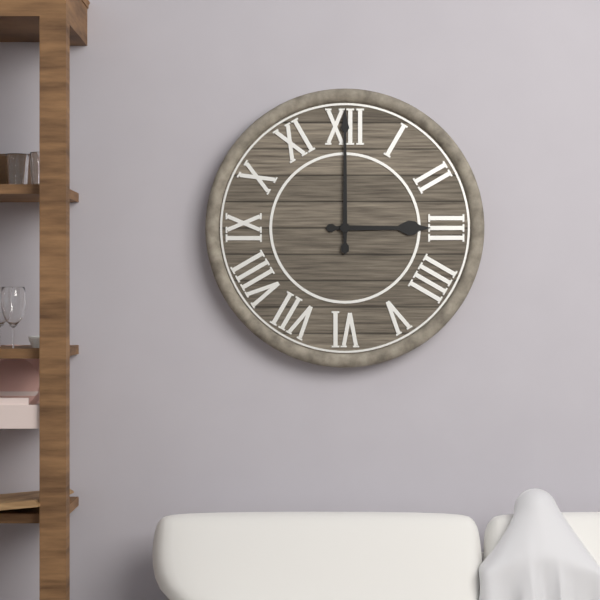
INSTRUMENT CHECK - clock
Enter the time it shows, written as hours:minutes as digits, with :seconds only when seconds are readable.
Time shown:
3:00
